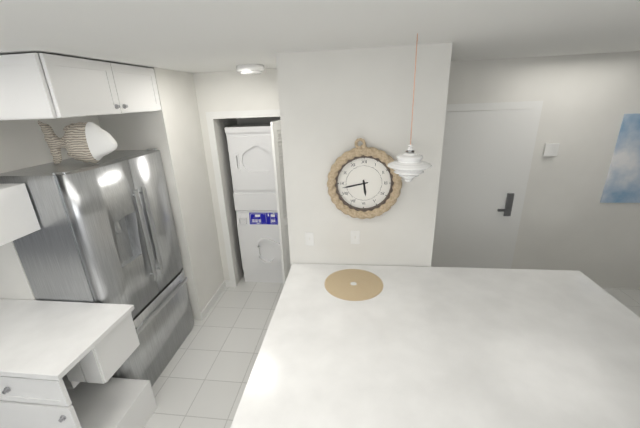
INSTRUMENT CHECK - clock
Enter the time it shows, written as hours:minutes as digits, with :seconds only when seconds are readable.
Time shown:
5:43
